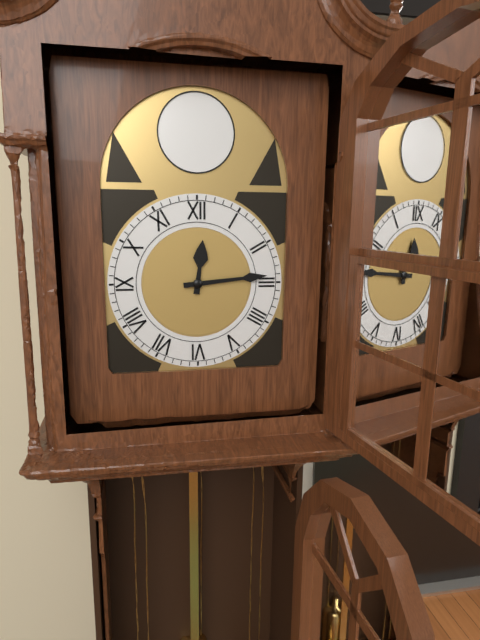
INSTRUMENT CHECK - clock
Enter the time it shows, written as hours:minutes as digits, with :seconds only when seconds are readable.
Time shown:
12:14
